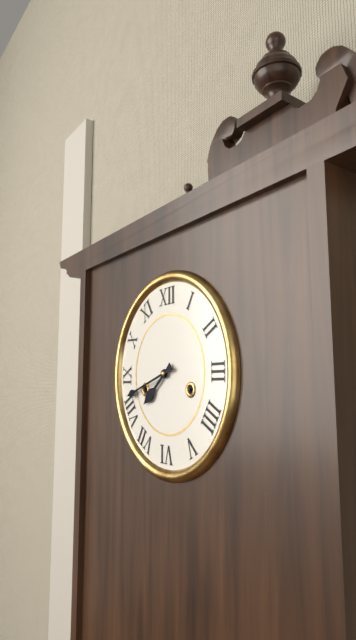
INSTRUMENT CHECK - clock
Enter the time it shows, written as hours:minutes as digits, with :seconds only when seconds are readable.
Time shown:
7:42
